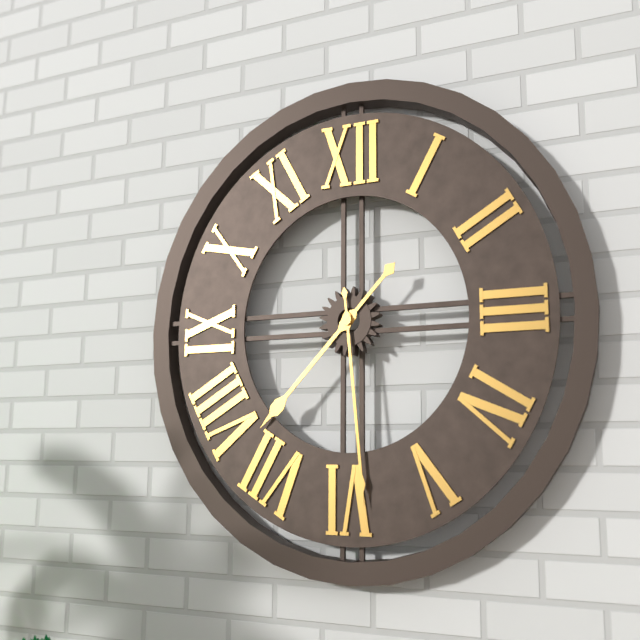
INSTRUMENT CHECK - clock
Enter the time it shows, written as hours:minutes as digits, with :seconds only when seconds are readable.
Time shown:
7:29
